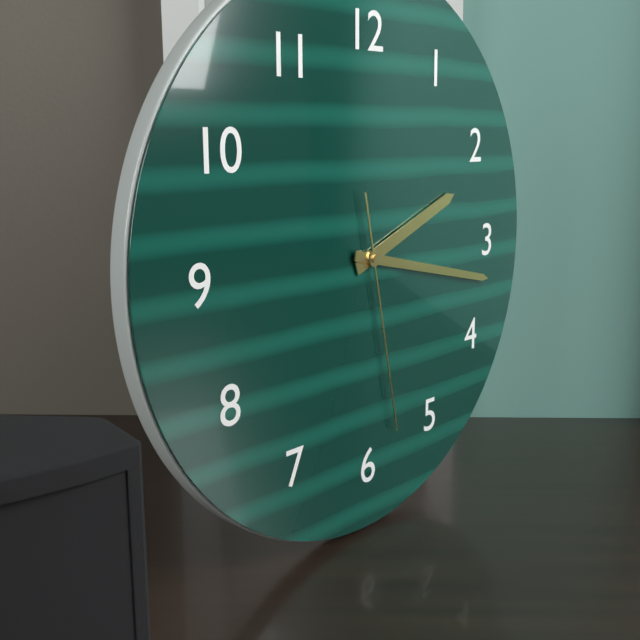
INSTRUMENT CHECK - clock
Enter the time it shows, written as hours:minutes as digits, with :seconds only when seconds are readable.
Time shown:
2:17:28
